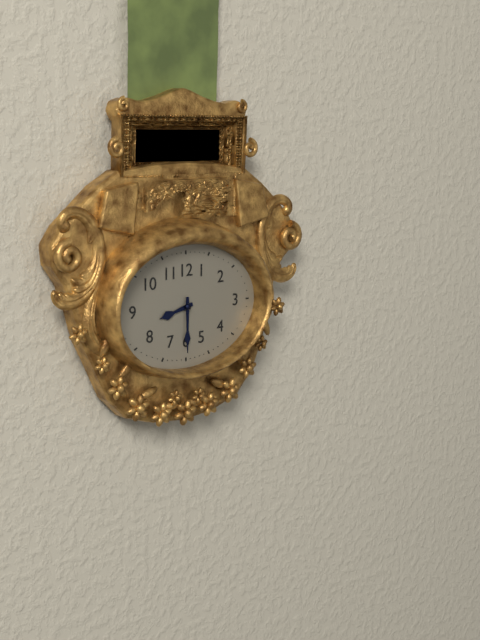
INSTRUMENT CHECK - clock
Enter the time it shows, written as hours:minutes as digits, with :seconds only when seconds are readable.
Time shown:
8:30
